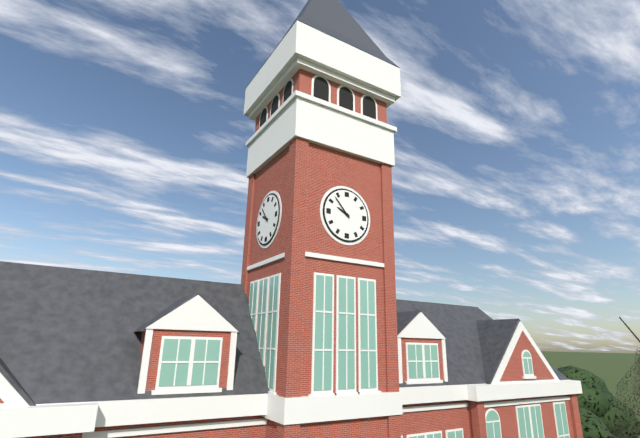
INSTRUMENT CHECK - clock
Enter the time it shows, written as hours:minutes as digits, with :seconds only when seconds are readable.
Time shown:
9:53
